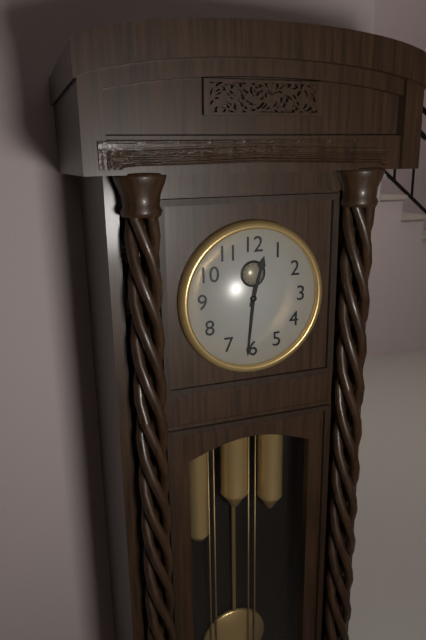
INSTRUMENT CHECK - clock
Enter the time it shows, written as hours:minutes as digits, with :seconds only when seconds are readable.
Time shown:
12:31
